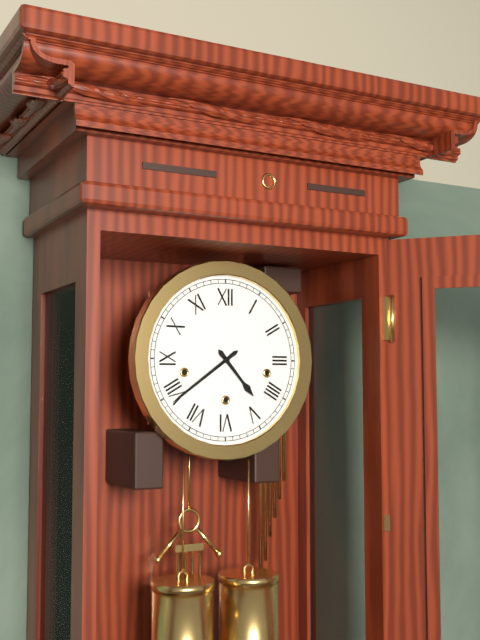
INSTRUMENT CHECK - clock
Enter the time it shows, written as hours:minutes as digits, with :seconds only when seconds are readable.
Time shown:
4:39
